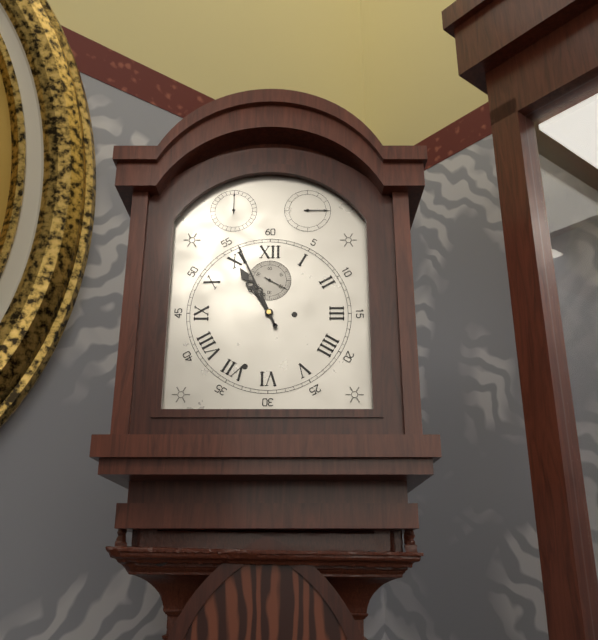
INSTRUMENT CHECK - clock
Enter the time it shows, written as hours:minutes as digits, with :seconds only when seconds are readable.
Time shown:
10:56
